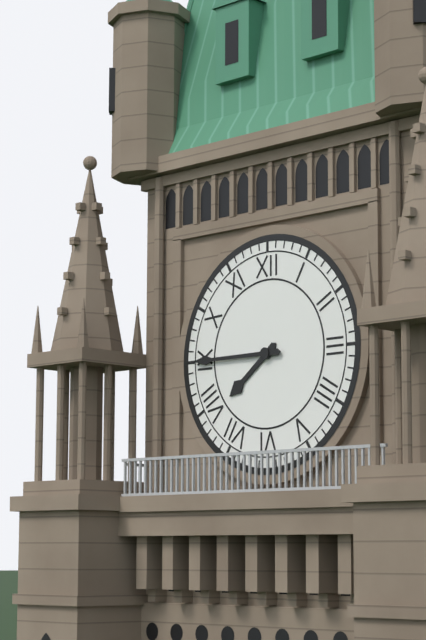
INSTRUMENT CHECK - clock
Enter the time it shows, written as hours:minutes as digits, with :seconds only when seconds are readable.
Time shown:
7:45
